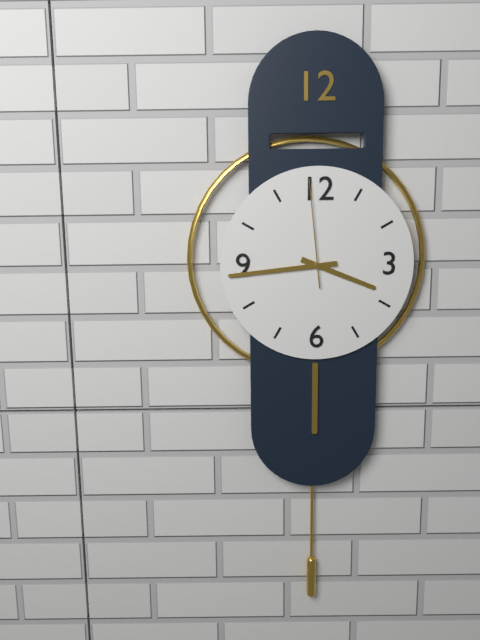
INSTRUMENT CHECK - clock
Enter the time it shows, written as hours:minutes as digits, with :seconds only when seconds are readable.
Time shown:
3:44:59
